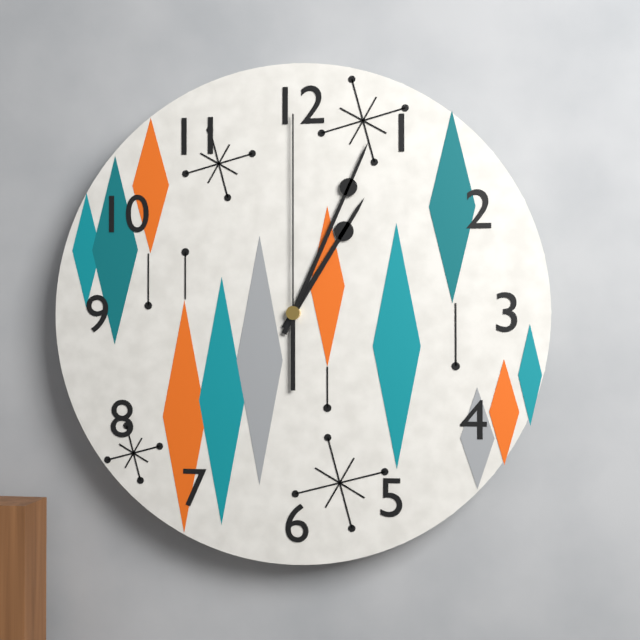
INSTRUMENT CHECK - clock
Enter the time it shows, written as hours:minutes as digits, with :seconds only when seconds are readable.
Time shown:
1:04:00
